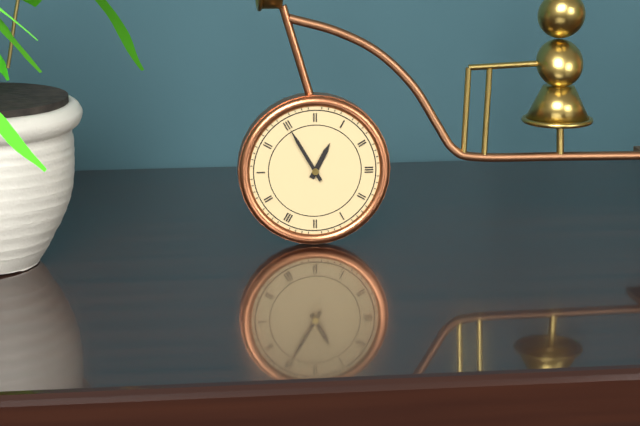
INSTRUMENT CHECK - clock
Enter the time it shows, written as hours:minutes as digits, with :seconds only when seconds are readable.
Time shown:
12:55
